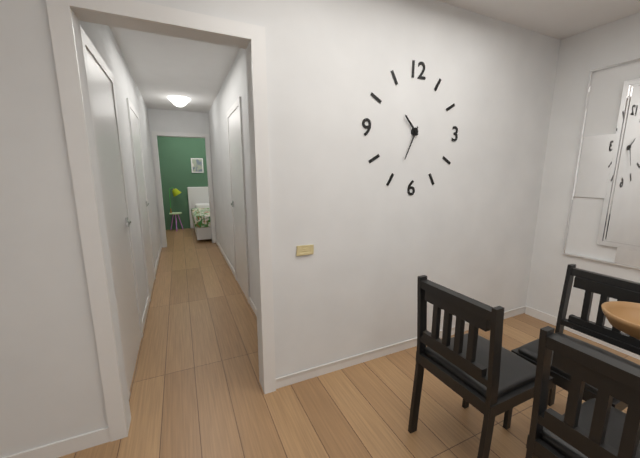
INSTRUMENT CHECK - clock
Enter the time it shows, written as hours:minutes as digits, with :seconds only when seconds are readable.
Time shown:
10:34
